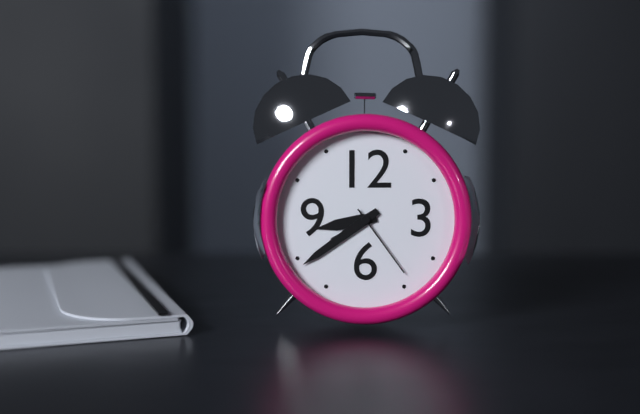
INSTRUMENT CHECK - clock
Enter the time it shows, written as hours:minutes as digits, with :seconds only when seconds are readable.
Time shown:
8:39:24
